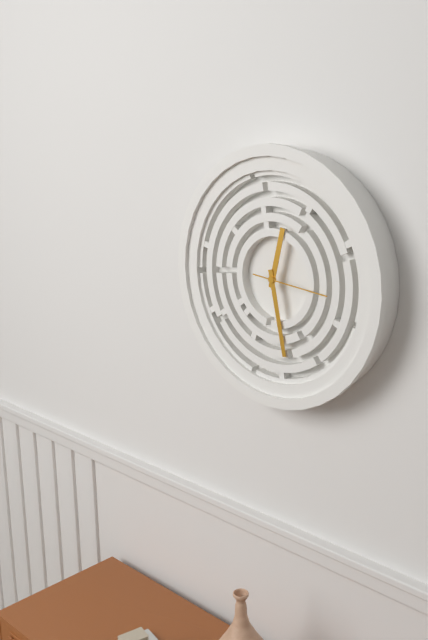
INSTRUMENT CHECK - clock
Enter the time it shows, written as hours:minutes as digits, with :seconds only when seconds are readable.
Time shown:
12:28:16
